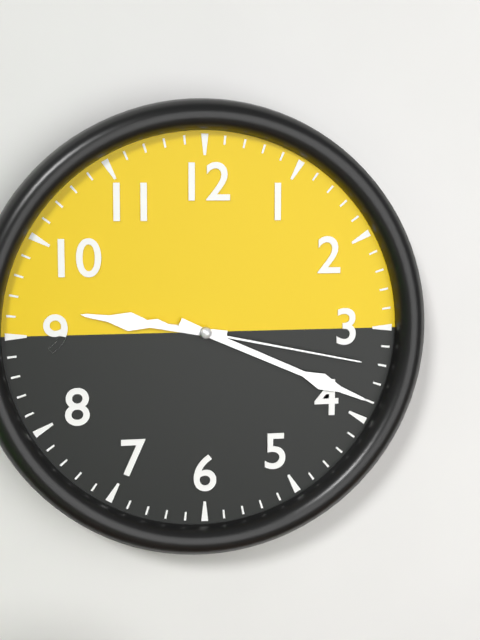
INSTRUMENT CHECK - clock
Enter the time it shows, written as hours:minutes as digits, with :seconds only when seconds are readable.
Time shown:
9:19:17
